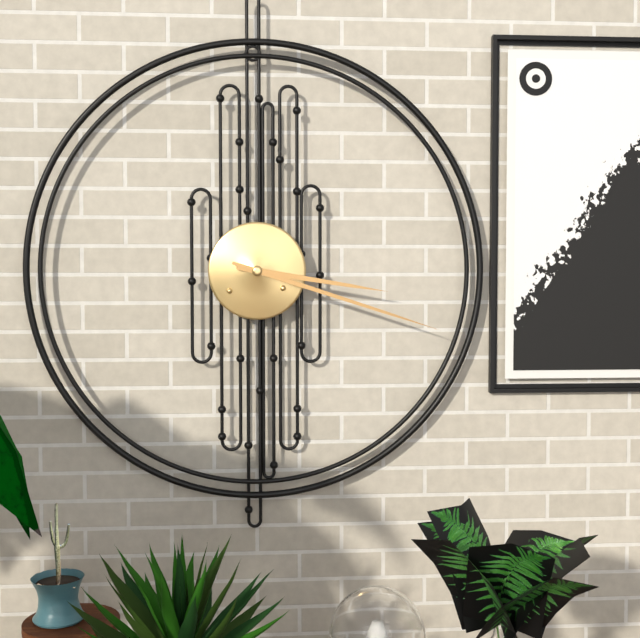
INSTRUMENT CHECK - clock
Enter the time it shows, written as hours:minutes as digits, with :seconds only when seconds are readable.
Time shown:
3:18
